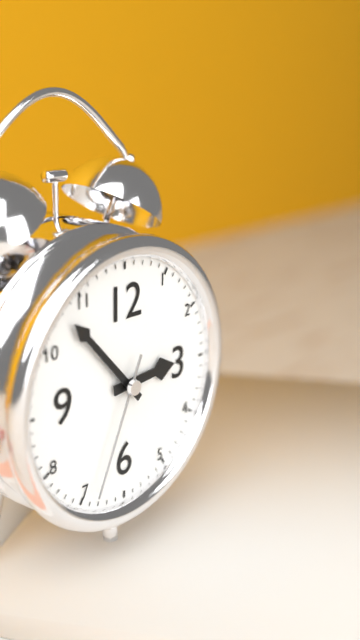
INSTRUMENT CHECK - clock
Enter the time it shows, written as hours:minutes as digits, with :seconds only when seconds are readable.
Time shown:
2:53:34
